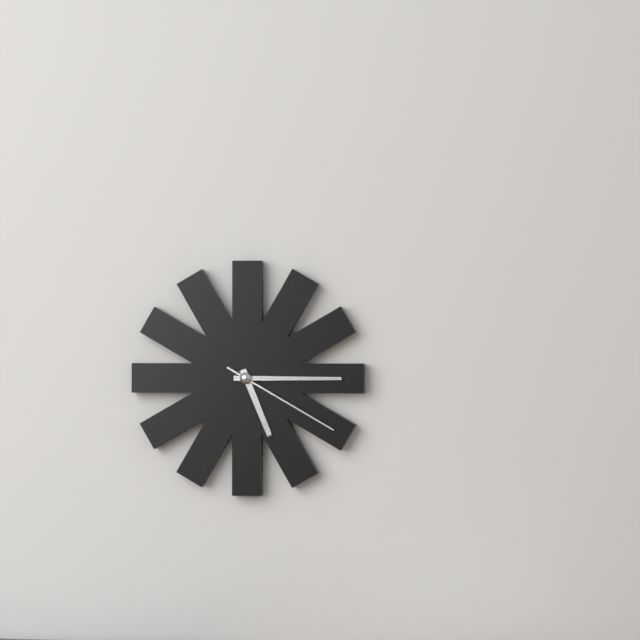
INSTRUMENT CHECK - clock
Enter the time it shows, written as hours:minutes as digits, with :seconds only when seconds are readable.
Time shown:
5:15:20
